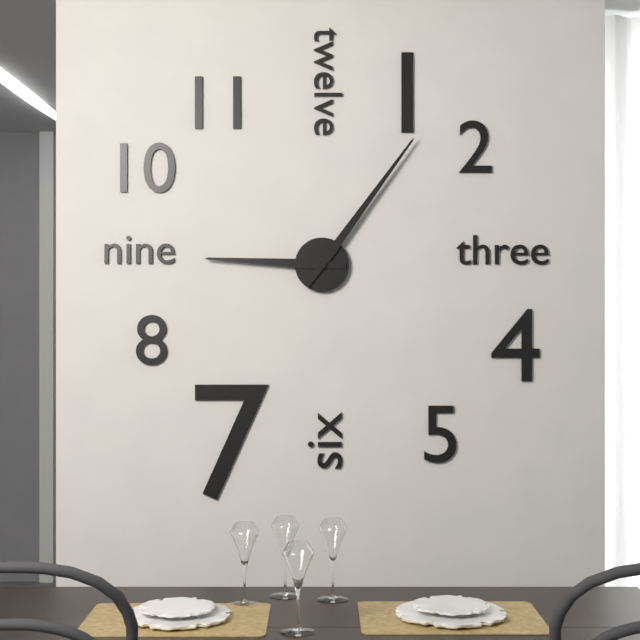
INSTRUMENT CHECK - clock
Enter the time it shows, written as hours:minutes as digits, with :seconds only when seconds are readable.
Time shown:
9:06
